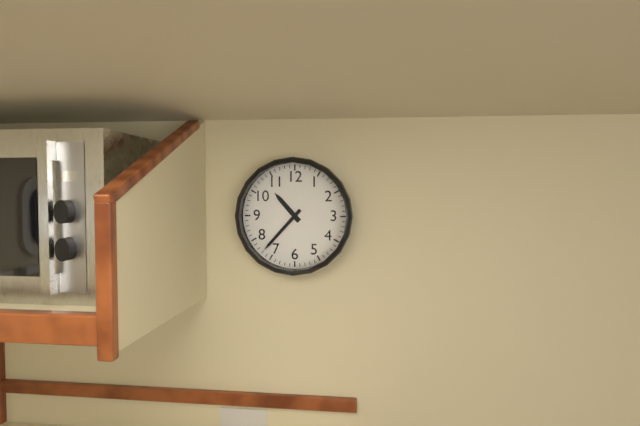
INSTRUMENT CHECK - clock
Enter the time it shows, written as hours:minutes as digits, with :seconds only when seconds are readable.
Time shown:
10:37
